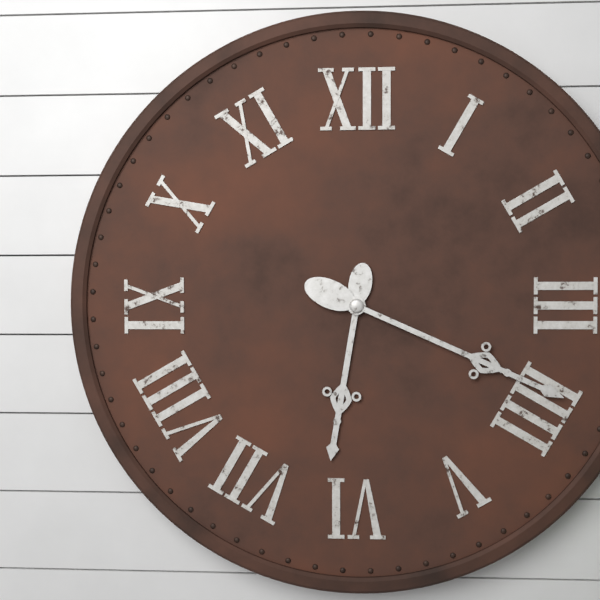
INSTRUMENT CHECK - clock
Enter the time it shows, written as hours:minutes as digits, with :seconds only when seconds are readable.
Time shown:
6:19
